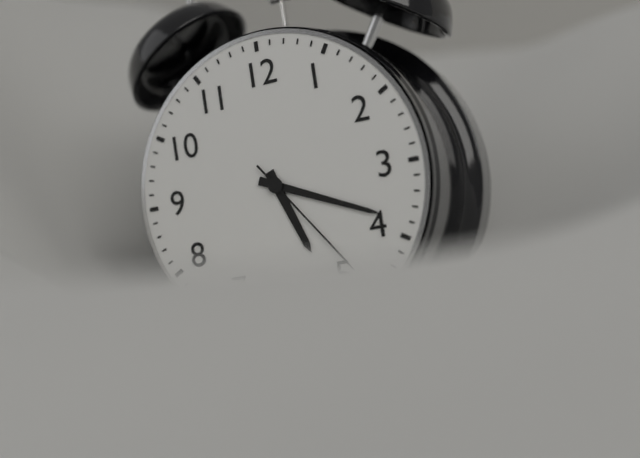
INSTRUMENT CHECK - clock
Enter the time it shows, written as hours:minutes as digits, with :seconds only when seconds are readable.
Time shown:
5:19:24
